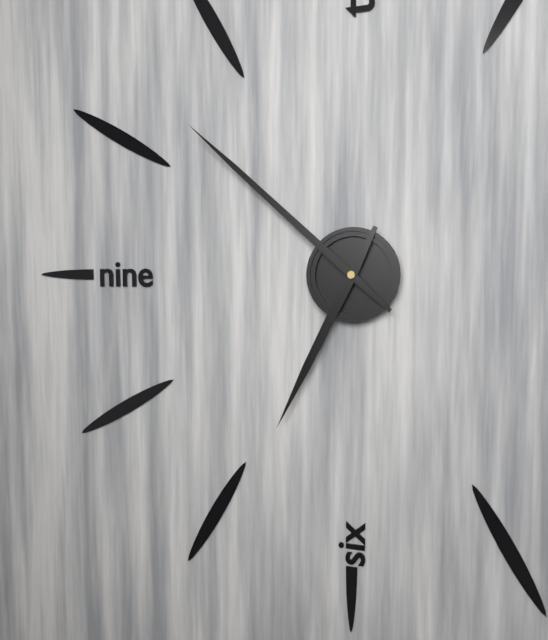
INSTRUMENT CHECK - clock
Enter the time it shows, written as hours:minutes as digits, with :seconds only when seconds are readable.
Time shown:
6:52
